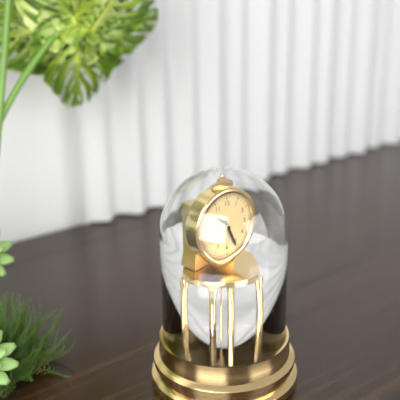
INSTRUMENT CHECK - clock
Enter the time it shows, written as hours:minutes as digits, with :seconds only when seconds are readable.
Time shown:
10:26
